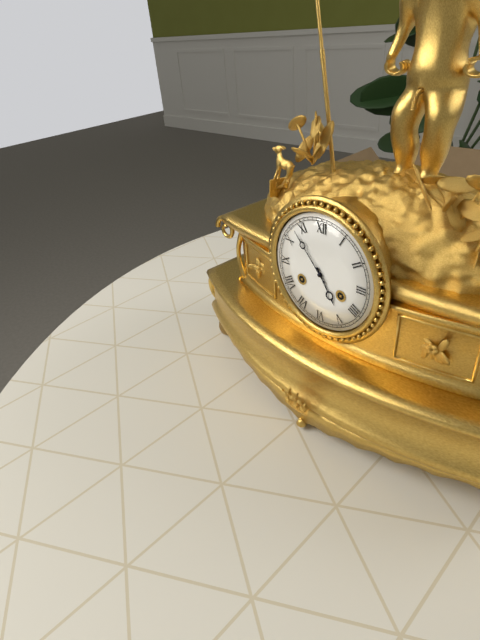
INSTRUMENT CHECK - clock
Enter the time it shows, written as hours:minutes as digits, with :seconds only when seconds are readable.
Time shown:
4:53
